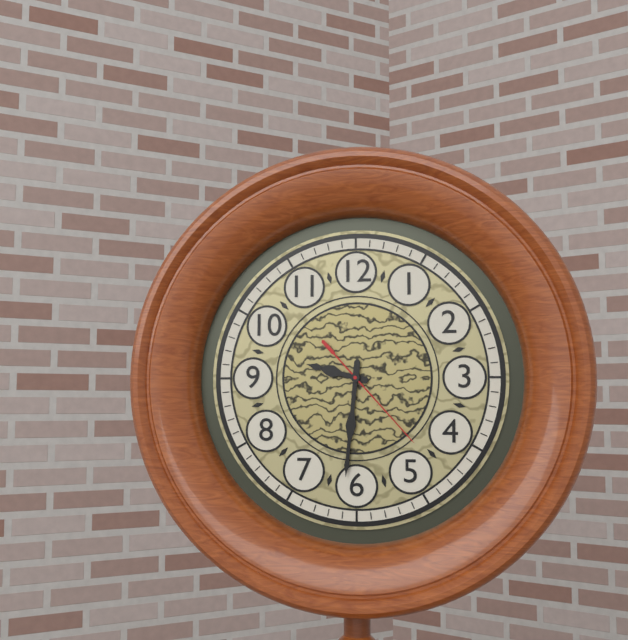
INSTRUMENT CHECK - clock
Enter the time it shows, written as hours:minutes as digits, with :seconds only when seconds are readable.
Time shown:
9:31:23
